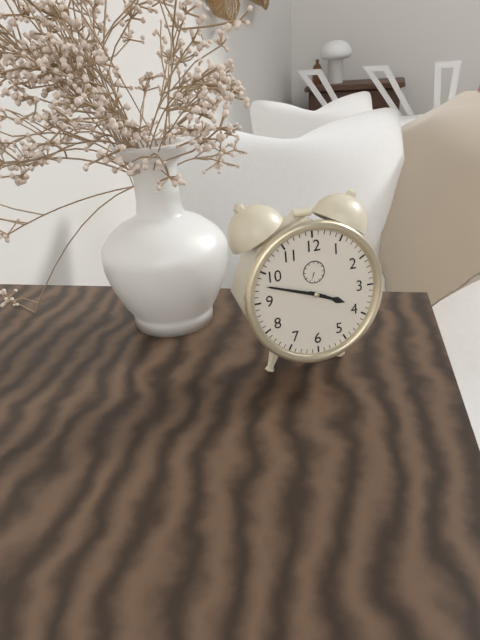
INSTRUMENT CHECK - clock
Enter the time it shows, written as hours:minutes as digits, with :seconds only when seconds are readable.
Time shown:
3:48
